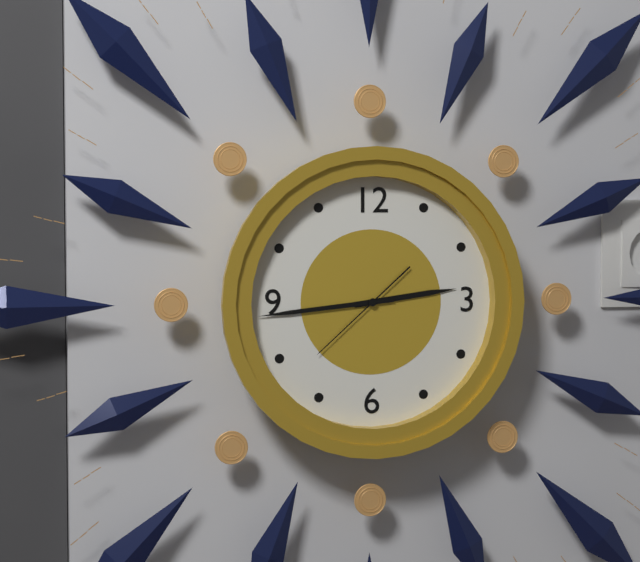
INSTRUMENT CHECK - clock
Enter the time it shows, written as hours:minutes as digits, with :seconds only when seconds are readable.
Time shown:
2:44:38
